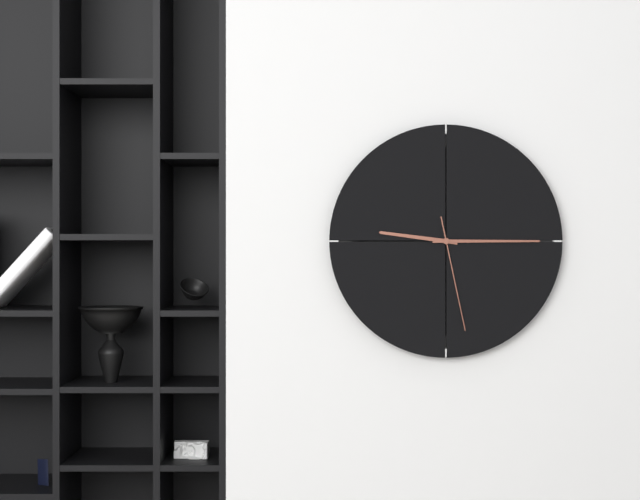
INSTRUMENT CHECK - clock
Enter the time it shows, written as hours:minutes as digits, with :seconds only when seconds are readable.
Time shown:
9:15:28
